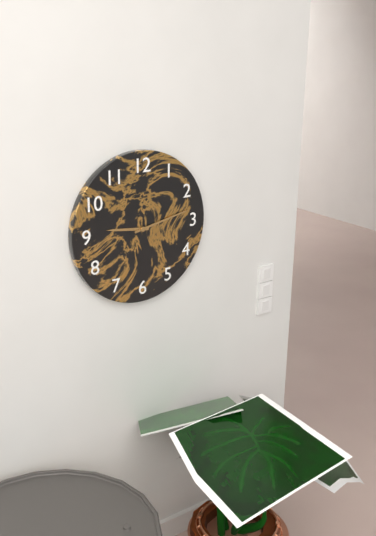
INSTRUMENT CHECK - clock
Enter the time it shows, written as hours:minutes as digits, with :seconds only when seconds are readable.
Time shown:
9:13
